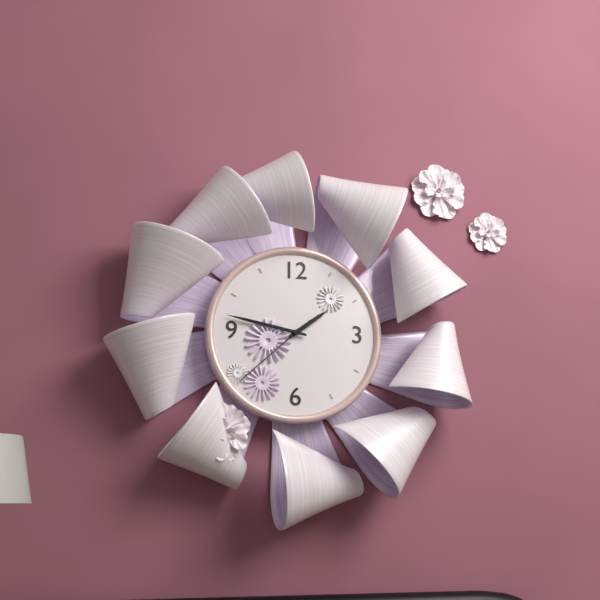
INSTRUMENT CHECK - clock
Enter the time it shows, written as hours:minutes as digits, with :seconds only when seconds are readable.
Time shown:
1:47:38
